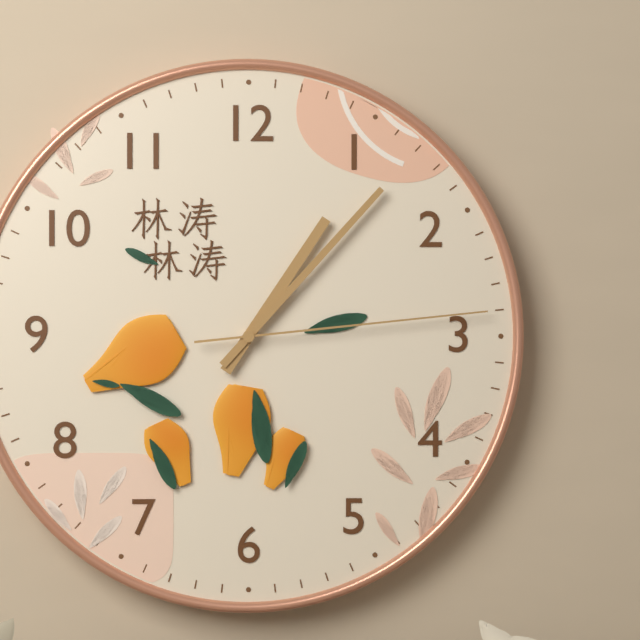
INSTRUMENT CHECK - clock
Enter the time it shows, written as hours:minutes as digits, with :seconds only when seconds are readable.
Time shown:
1:07:14
